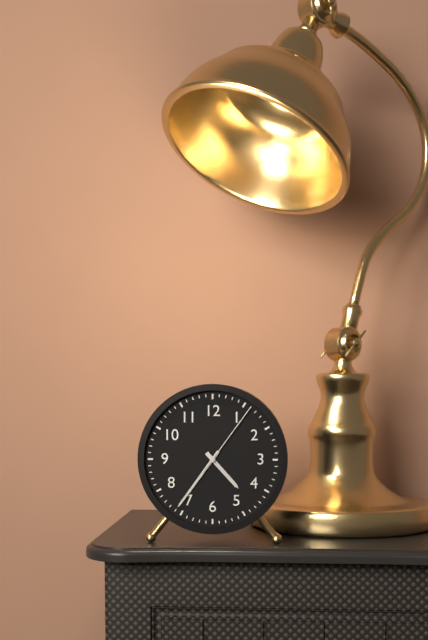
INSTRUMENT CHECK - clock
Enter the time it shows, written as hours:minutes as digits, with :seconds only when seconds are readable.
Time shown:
4:36:06
